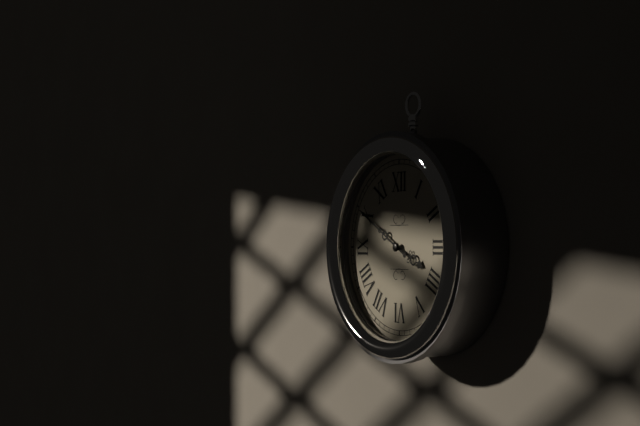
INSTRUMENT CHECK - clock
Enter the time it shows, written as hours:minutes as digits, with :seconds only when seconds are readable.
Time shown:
3:50
